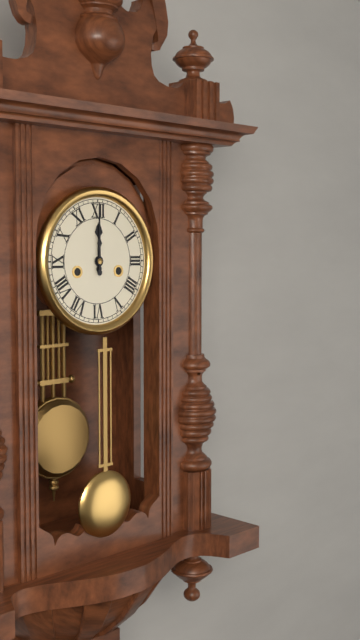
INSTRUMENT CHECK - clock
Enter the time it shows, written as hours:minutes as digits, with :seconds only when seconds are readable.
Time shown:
12:00
